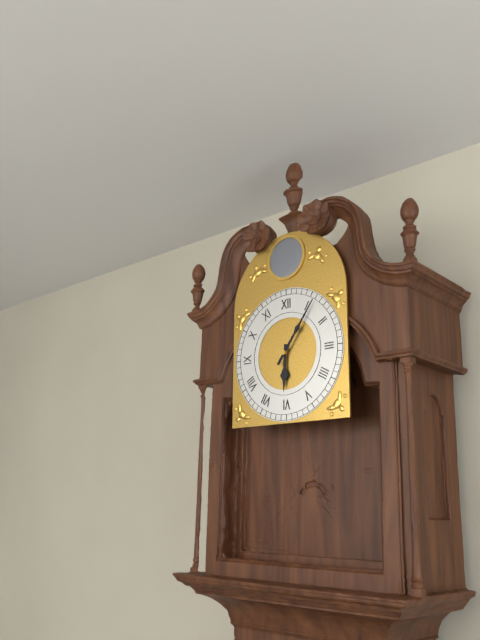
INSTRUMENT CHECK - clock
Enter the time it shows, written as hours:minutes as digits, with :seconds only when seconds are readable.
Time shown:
6:06
